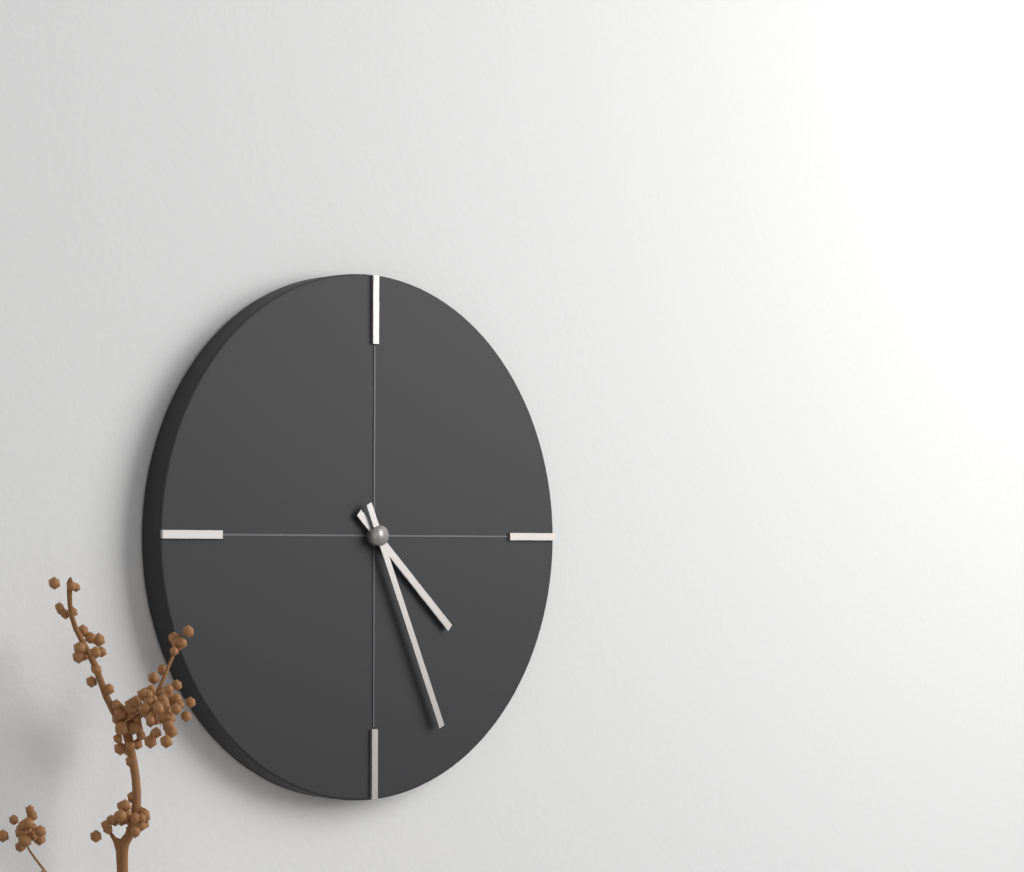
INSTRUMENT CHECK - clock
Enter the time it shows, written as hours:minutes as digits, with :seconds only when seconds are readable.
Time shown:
4:26
